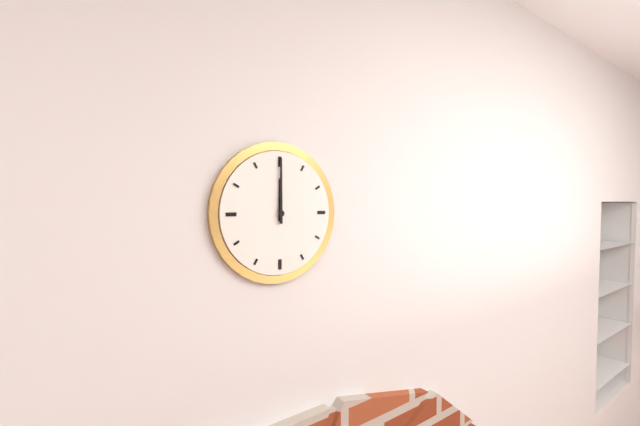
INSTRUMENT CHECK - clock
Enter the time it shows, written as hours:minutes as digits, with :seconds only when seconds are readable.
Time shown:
12:00
